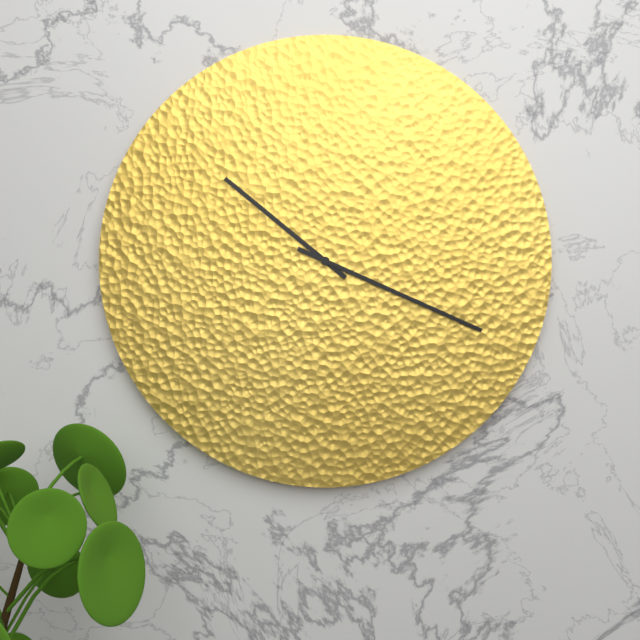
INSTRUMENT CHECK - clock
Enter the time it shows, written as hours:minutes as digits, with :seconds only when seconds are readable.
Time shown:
10:19
